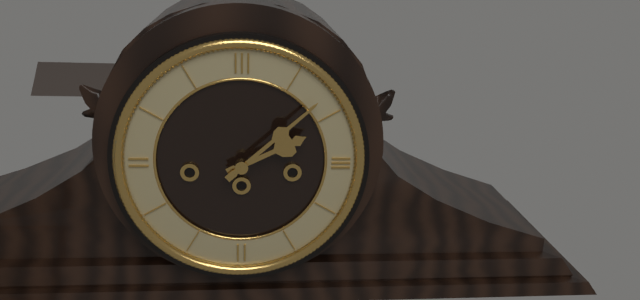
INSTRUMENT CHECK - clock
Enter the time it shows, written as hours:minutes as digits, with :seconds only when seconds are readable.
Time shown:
2:08
